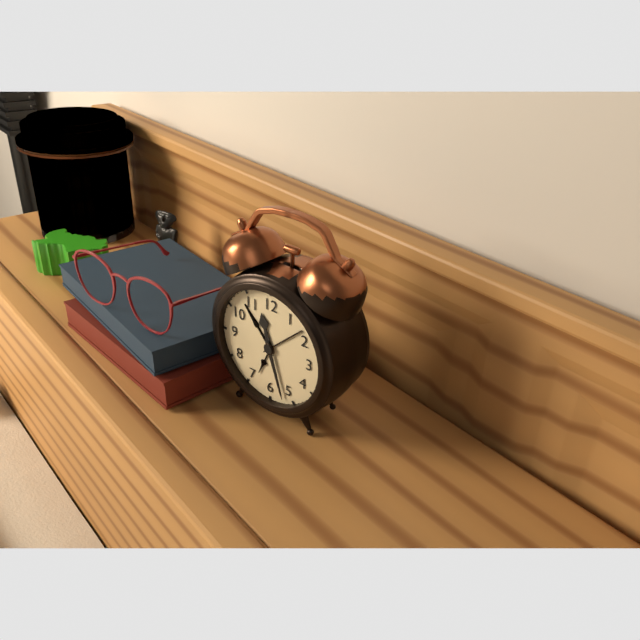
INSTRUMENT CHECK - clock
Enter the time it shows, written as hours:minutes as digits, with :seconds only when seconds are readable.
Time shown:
11:27
